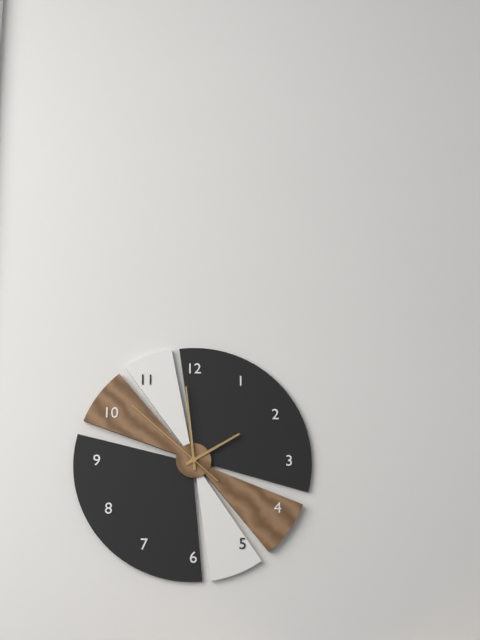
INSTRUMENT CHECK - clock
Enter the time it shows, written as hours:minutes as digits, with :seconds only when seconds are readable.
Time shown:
1:59:52
